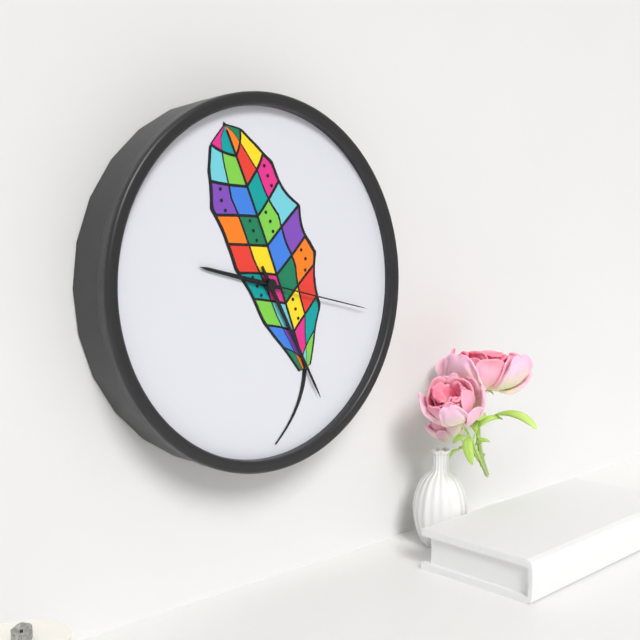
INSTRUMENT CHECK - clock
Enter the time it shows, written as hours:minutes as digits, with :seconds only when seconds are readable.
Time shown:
9:25:17
